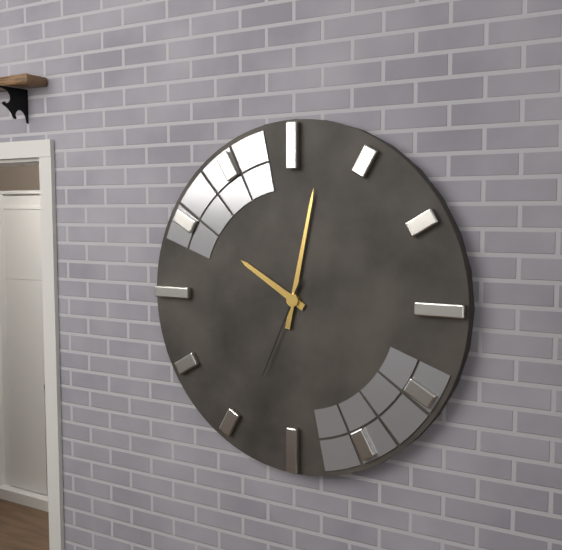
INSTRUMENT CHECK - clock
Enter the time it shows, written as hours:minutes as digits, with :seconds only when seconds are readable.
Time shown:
10:02:34
